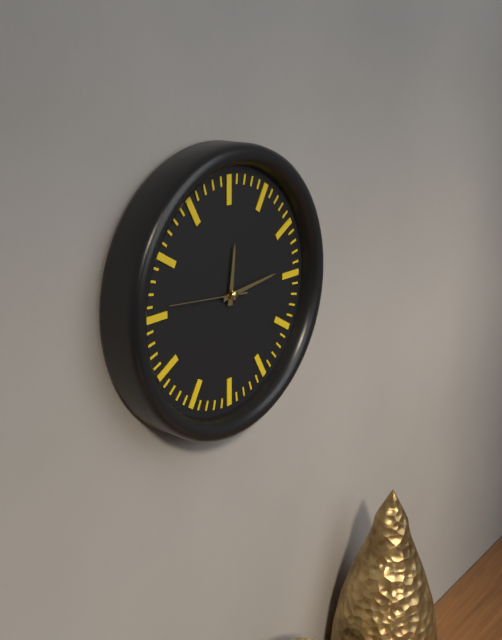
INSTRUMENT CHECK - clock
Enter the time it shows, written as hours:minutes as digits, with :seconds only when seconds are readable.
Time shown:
12:14:46
